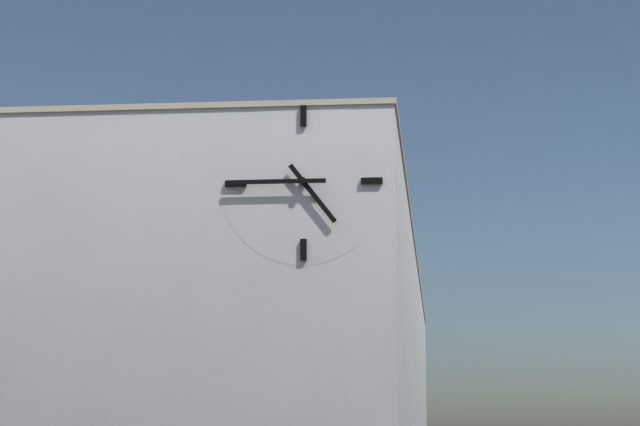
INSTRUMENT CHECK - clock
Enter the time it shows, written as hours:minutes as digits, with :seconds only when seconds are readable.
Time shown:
4:45
